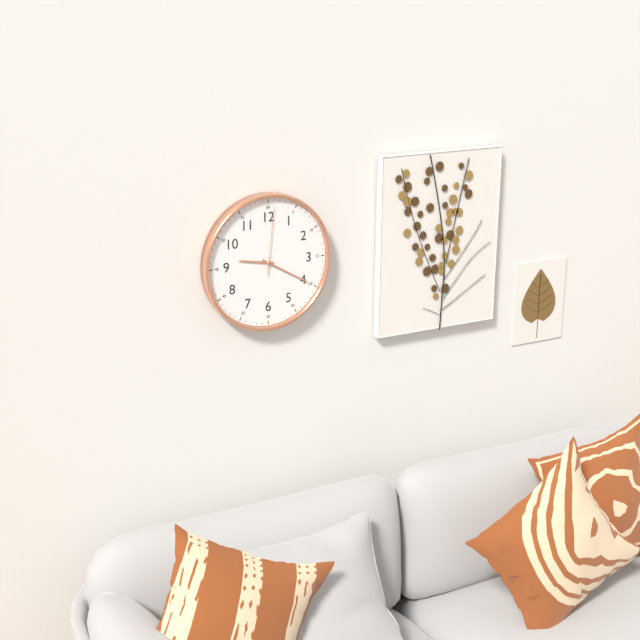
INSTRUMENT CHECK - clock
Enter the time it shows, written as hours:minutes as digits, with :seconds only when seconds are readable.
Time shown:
9:20:01
